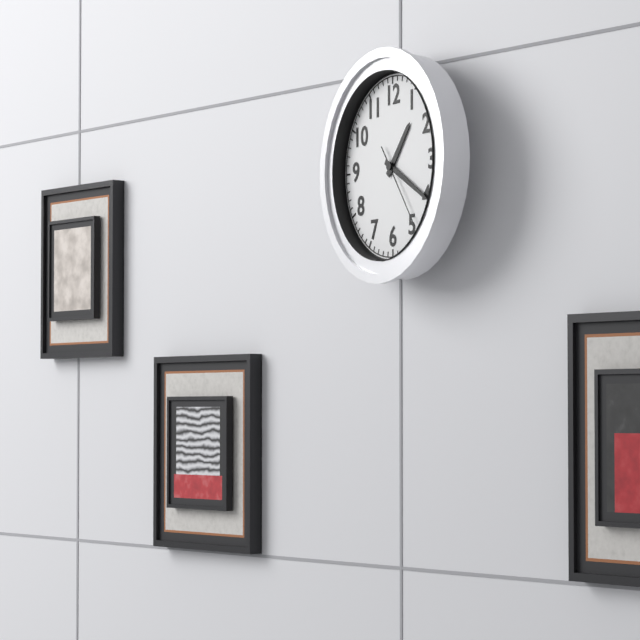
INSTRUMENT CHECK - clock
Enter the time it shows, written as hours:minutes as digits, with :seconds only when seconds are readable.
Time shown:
1:20:24
